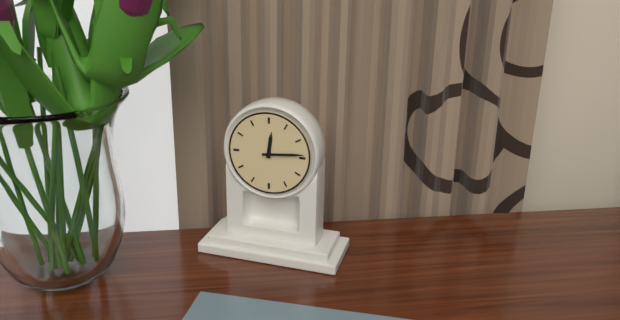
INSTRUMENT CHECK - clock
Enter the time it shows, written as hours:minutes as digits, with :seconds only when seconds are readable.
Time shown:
12:14
